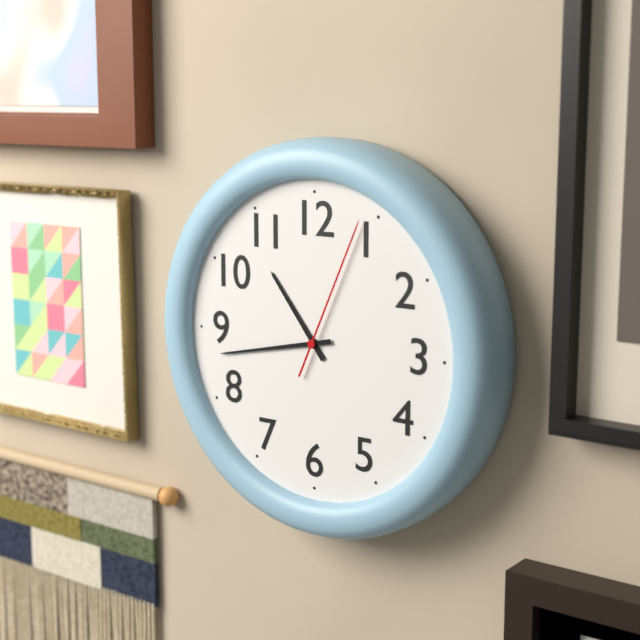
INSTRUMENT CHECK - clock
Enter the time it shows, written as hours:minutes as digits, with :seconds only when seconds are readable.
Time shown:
10:43:04
